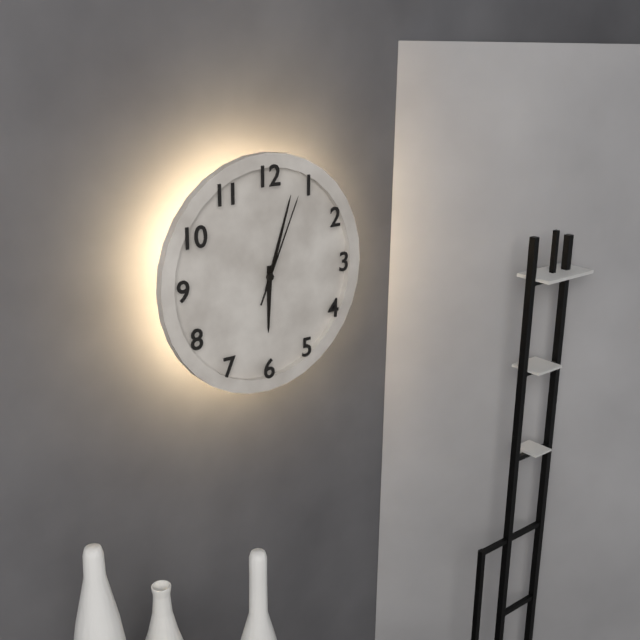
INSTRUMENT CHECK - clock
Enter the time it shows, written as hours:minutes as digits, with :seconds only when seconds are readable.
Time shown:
6:03:04
